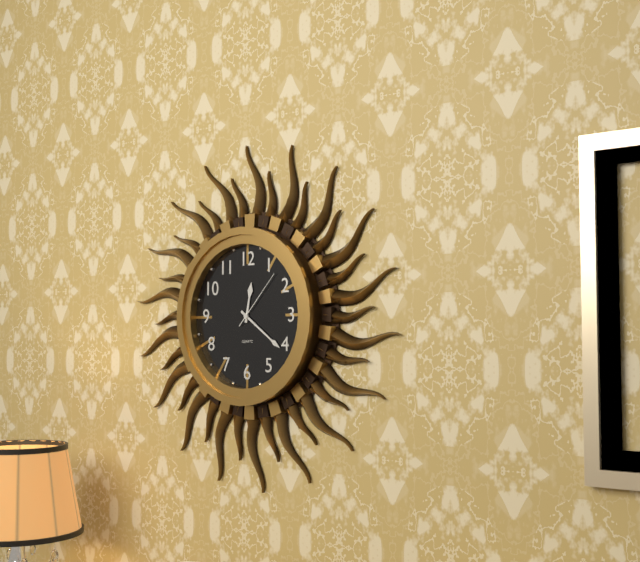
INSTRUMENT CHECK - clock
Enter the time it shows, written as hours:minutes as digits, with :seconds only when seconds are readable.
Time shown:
12:21:07
